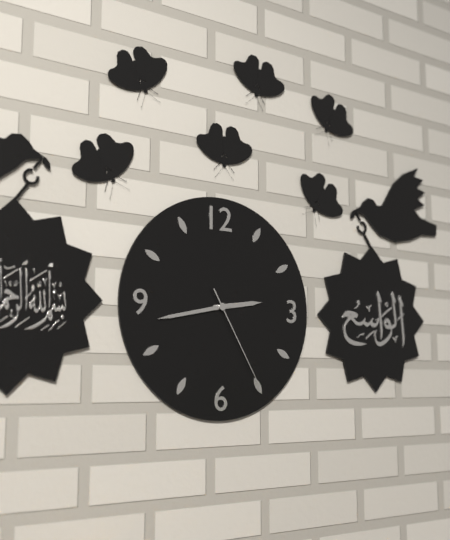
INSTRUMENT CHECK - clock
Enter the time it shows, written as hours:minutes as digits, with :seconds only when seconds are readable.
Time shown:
2:43:25
